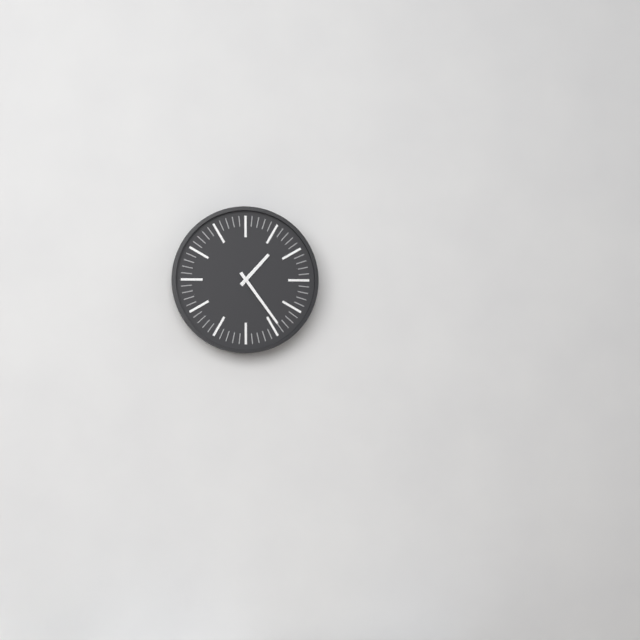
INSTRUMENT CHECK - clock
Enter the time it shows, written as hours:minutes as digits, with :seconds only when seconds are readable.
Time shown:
1:24
